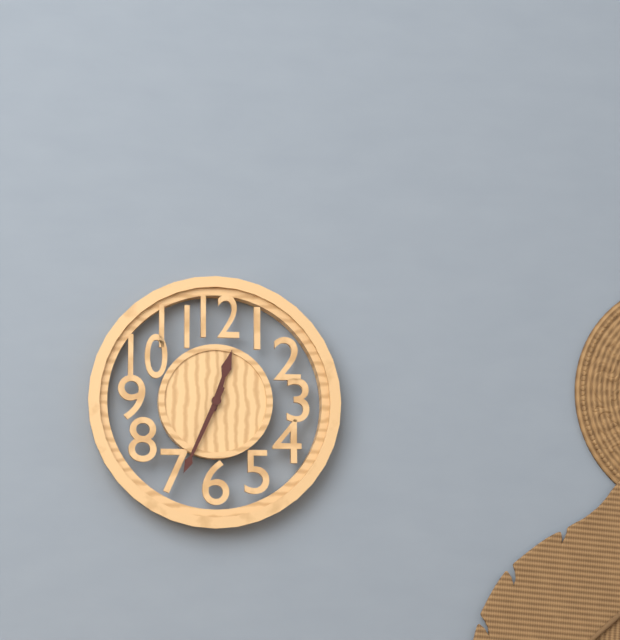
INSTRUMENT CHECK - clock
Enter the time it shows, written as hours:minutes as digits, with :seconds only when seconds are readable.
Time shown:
12:34
